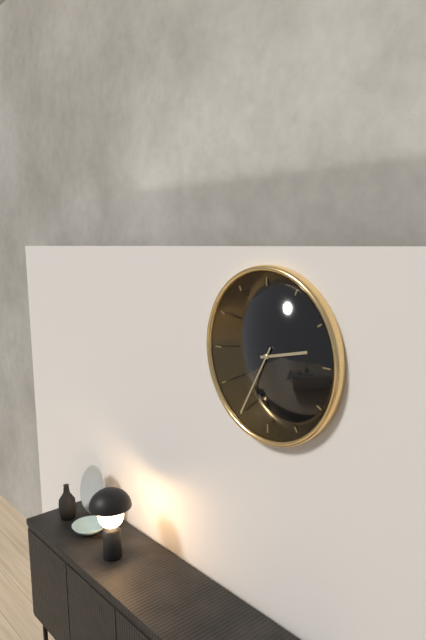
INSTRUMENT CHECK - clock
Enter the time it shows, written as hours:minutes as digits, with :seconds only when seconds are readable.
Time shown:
2:35
